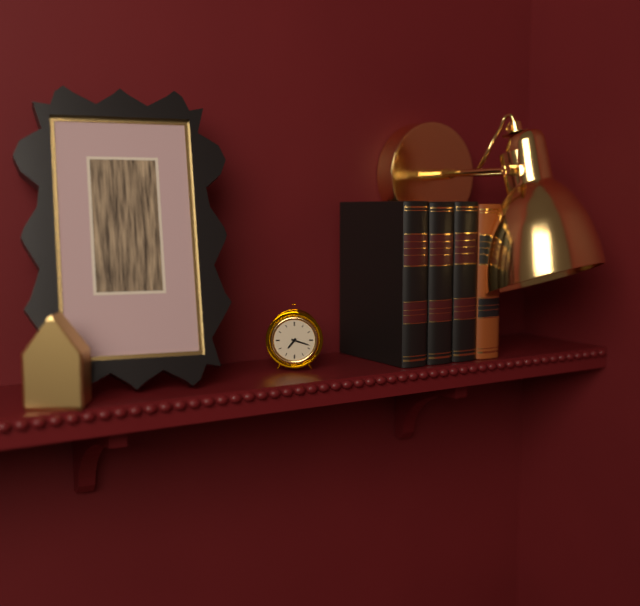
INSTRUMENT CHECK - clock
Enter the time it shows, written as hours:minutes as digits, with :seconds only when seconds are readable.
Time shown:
7:18
